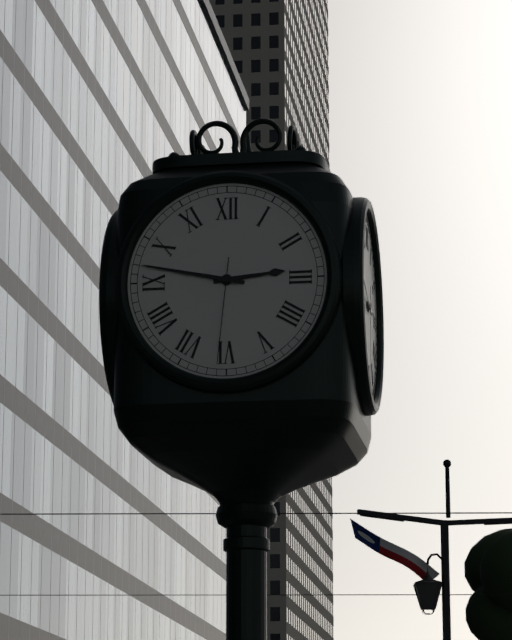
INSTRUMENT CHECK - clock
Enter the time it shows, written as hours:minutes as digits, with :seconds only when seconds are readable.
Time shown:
2:47:31
